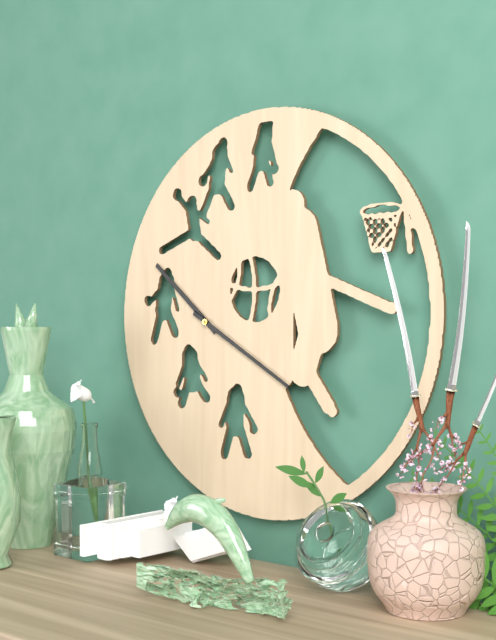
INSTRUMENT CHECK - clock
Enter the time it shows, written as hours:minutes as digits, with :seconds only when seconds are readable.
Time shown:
10:20
